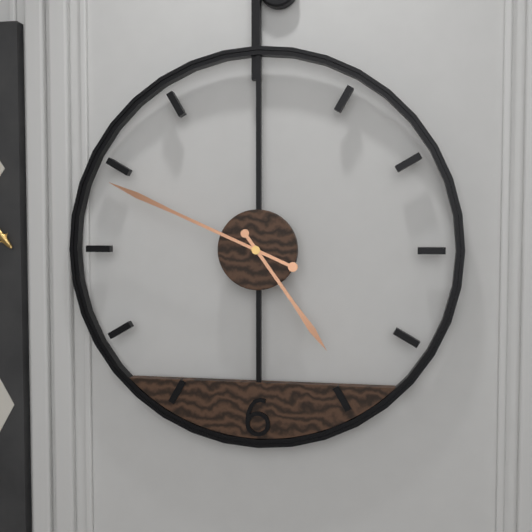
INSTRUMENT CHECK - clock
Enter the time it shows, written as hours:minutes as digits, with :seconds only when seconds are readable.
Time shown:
4:49
